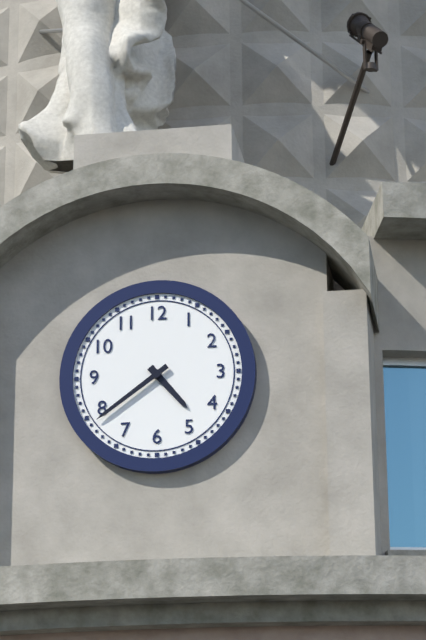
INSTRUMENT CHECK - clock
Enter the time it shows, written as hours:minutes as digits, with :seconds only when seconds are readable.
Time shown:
4:39
